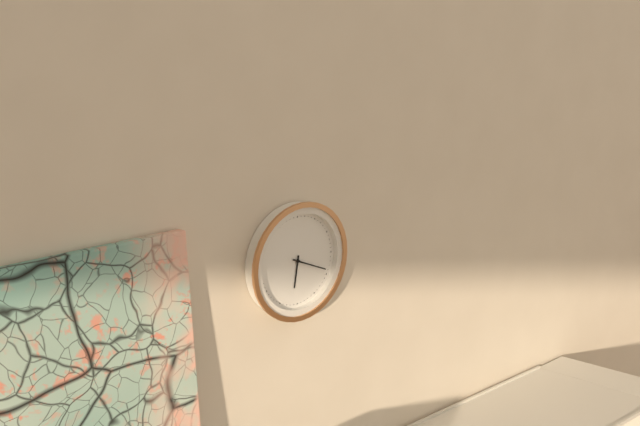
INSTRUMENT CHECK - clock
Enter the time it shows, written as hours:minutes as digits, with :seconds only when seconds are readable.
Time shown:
6:19
